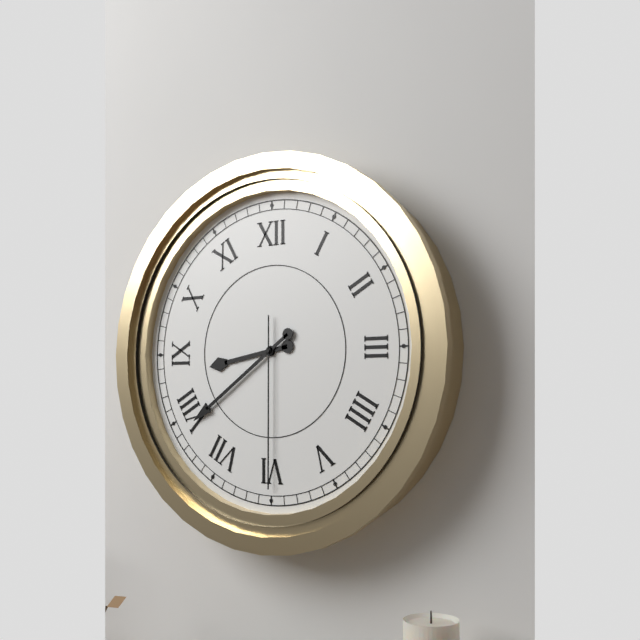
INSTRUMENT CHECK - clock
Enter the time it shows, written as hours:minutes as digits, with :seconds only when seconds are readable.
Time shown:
8:39:30
